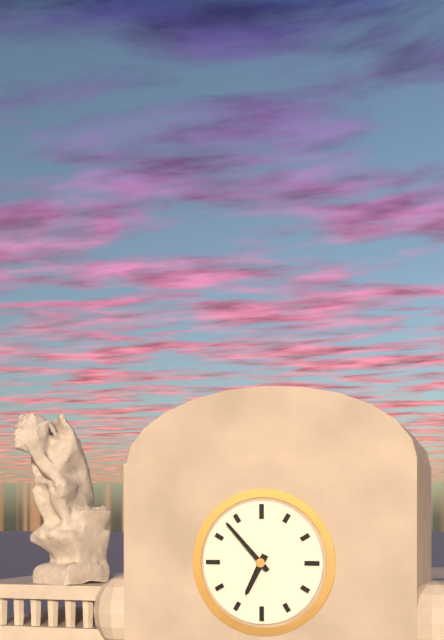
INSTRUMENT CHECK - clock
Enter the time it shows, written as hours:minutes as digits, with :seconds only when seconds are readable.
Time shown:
6:53
